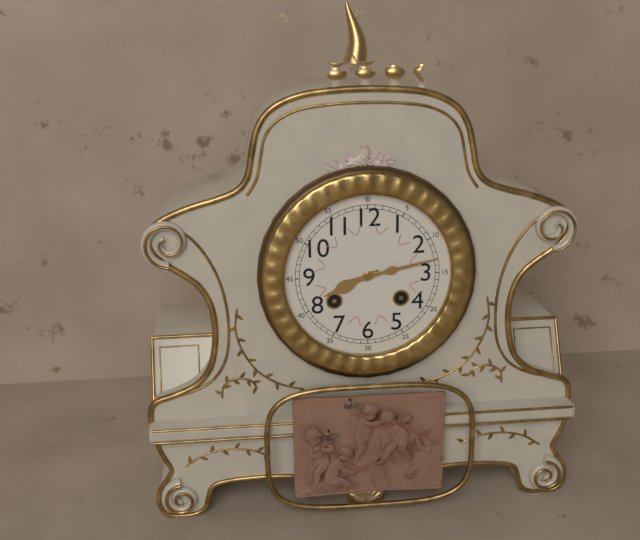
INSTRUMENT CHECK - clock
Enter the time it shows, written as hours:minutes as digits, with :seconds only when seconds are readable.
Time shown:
8:13
